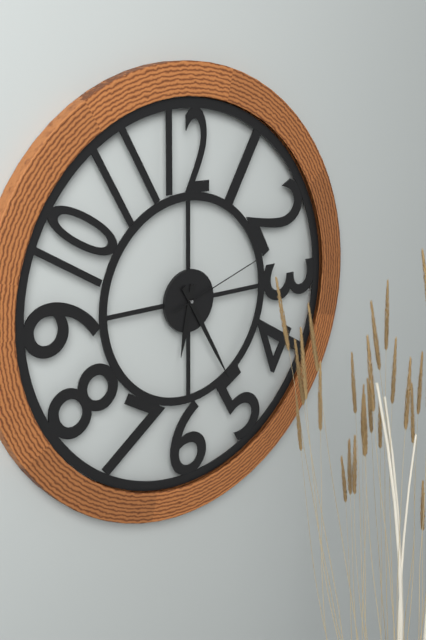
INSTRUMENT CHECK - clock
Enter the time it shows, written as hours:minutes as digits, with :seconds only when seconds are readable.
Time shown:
6:25:12
